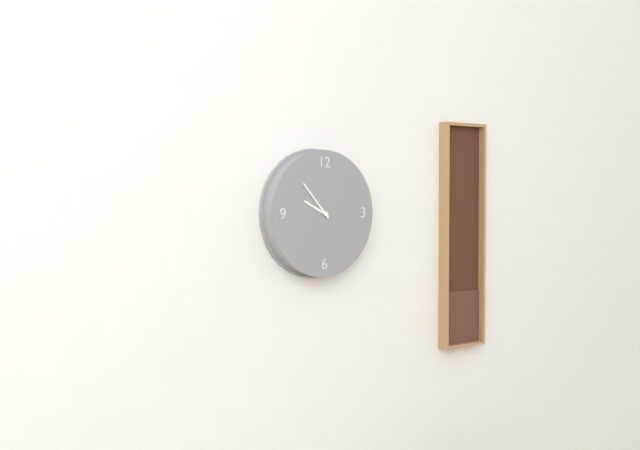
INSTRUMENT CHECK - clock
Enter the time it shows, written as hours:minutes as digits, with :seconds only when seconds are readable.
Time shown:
9:53
